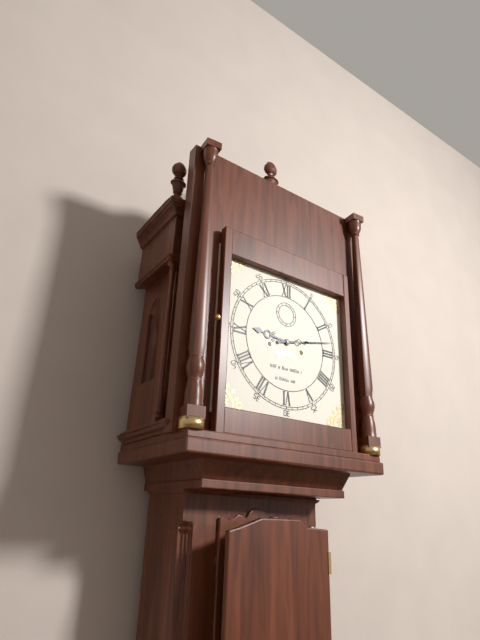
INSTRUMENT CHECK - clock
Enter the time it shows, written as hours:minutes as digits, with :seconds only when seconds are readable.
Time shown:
9:13
